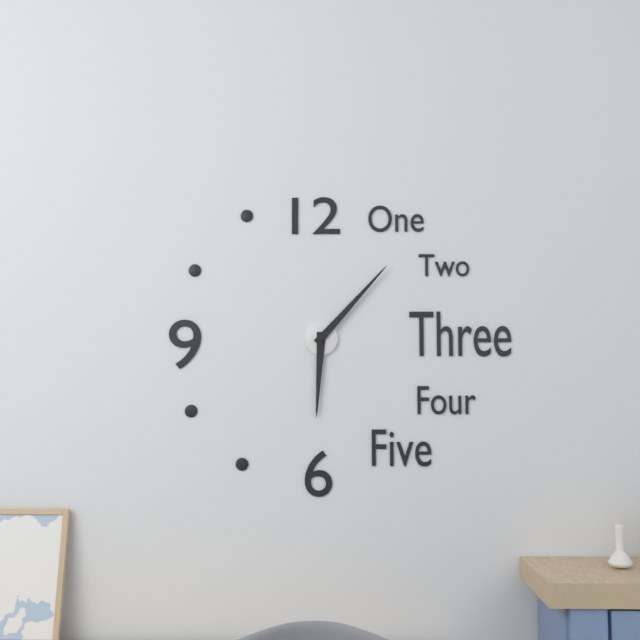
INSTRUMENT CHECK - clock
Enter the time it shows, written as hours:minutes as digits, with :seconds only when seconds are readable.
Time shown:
6:07
